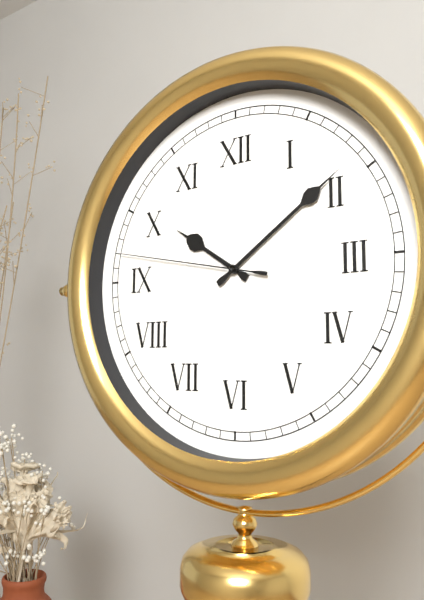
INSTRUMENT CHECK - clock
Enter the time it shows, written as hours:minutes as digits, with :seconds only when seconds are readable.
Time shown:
10:09:47
